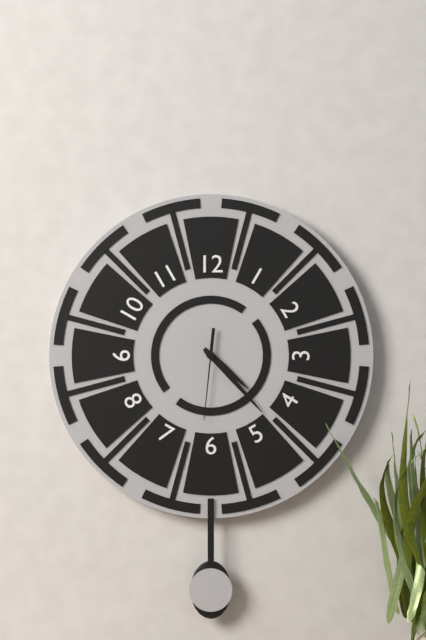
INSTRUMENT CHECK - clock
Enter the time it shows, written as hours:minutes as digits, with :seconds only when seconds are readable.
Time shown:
4:23:31
